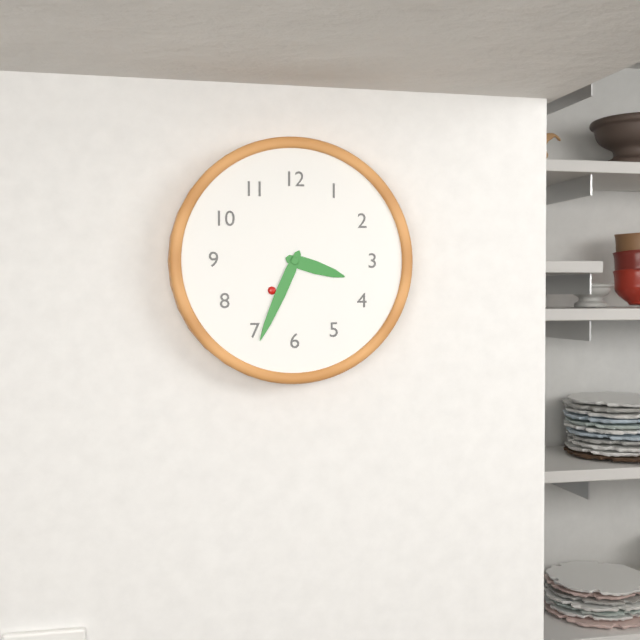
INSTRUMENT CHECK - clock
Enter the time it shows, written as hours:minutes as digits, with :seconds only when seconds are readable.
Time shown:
3:34
